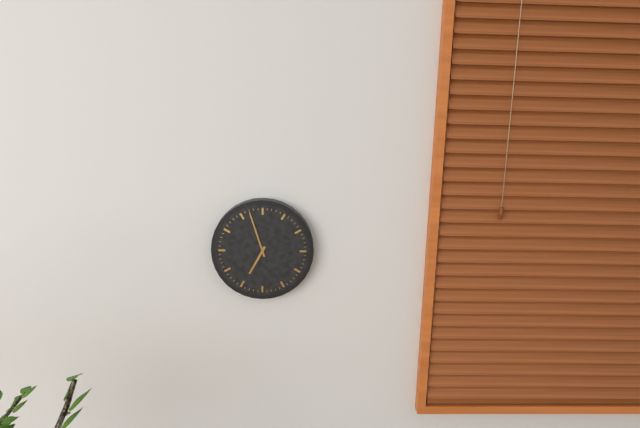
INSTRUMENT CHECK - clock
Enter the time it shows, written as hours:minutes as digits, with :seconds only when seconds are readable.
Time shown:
6:57
